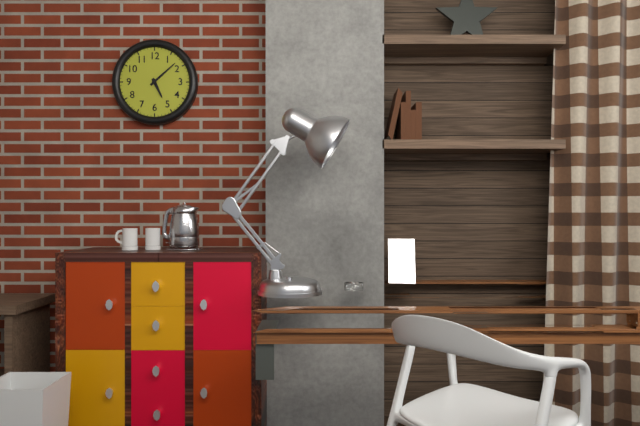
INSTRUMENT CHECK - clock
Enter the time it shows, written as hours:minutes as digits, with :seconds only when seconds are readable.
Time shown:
5:08
